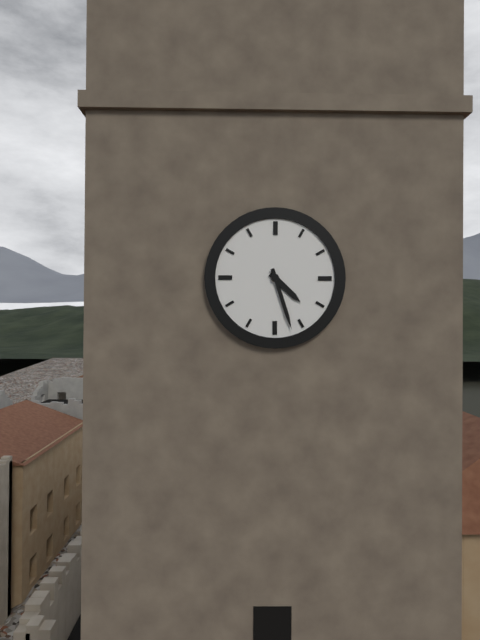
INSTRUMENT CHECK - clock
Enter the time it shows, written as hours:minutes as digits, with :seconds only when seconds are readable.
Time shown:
4:27
